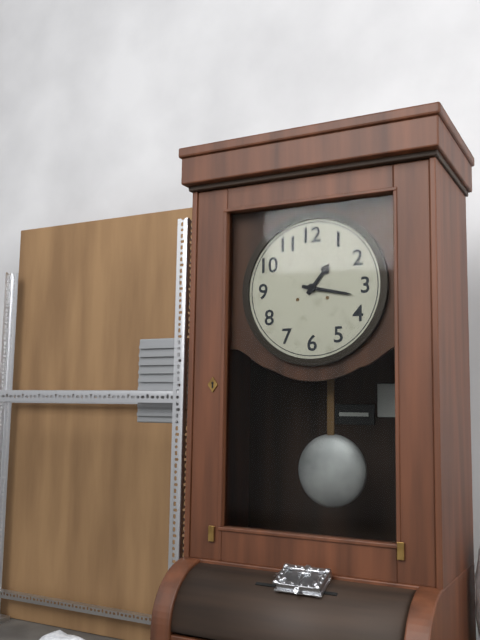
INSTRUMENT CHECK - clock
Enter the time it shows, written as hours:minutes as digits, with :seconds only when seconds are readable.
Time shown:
1:17
